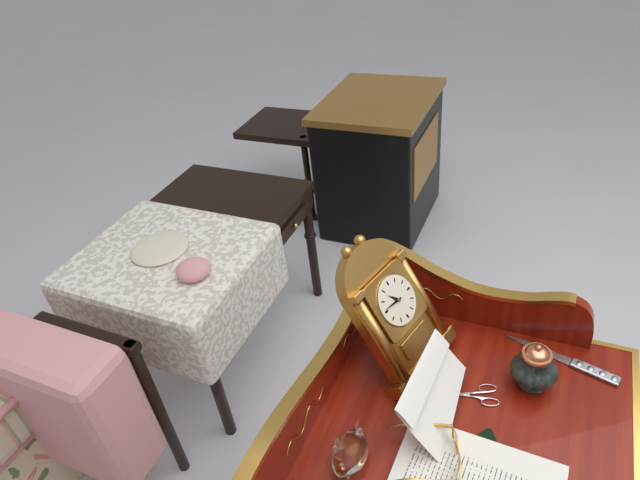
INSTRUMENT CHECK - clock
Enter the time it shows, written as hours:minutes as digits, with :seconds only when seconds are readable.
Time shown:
10:46
